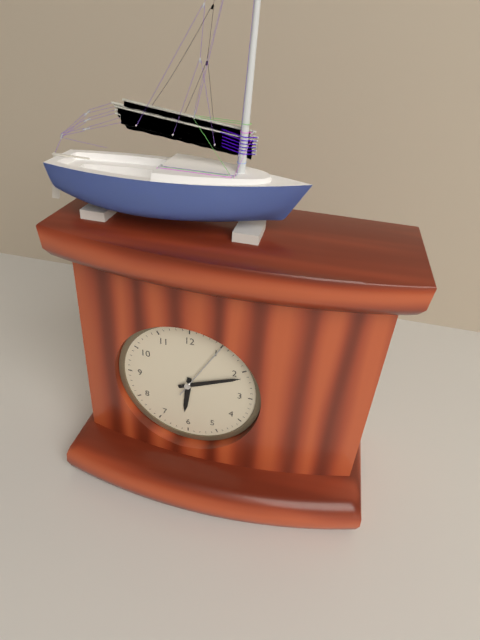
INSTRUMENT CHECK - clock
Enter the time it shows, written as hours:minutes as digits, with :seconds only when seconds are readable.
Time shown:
6:11:05
